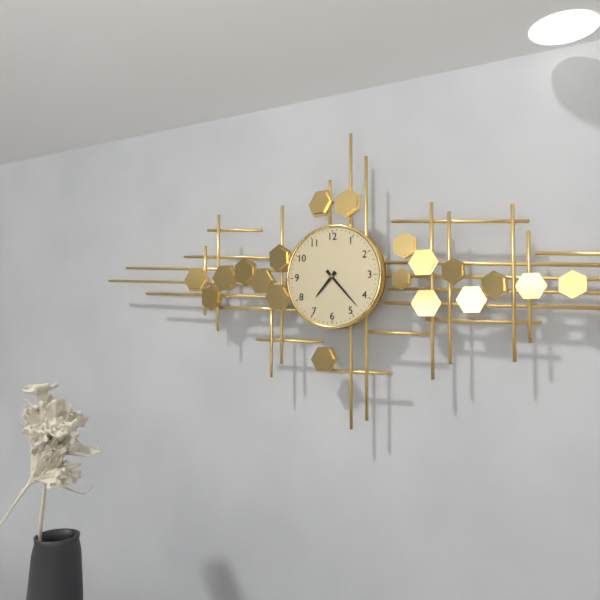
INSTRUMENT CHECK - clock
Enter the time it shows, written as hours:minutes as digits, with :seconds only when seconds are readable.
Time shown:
7:23
